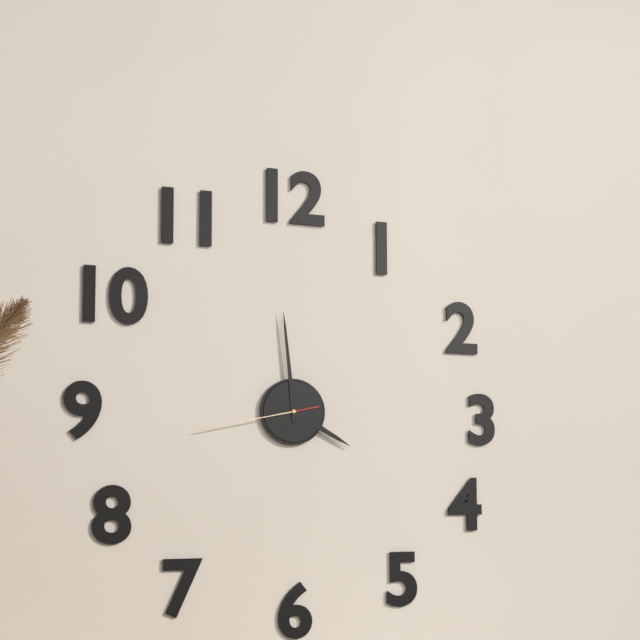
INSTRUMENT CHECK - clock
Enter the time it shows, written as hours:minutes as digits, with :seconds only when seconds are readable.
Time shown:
3:59:43
